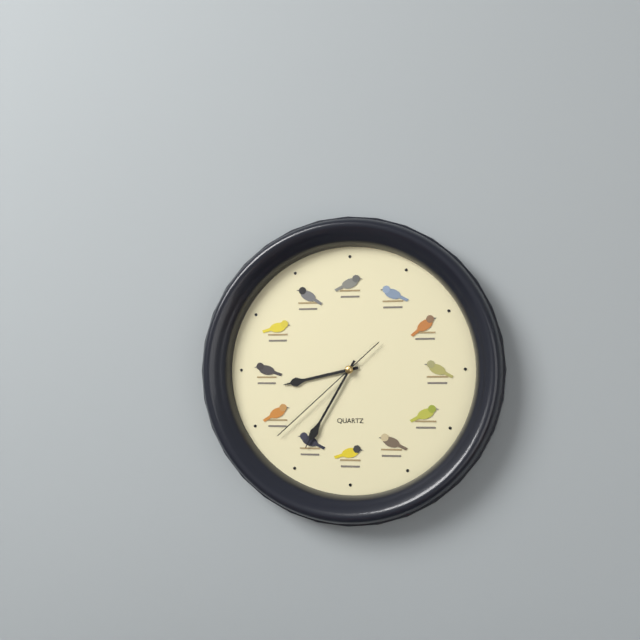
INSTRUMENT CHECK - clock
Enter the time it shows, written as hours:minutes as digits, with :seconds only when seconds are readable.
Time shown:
8:35:38
